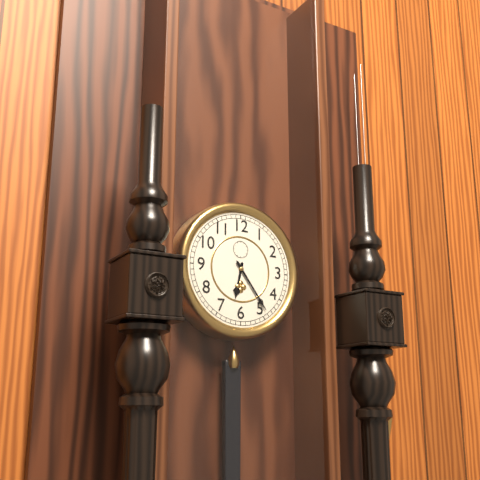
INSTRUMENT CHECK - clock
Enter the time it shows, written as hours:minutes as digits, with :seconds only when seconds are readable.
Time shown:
6:24
